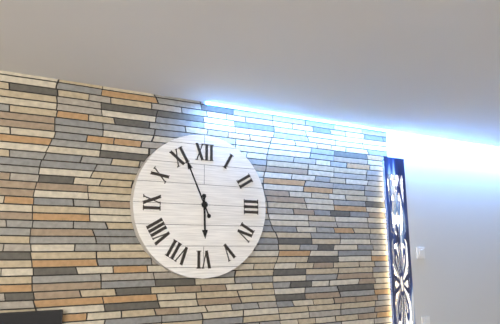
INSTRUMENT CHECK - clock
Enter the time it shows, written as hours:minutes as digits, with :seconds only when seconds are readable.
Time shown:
5:56
